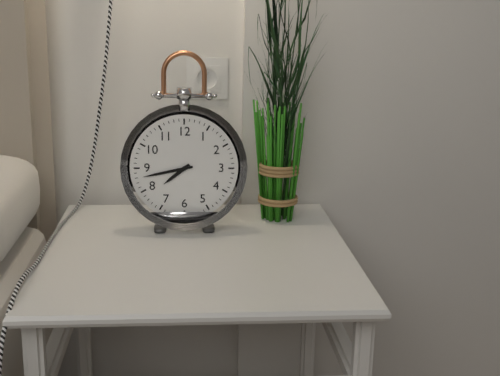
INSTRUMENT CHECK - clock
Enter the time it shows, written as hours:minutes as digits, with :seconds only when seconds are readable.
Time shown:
7:43
